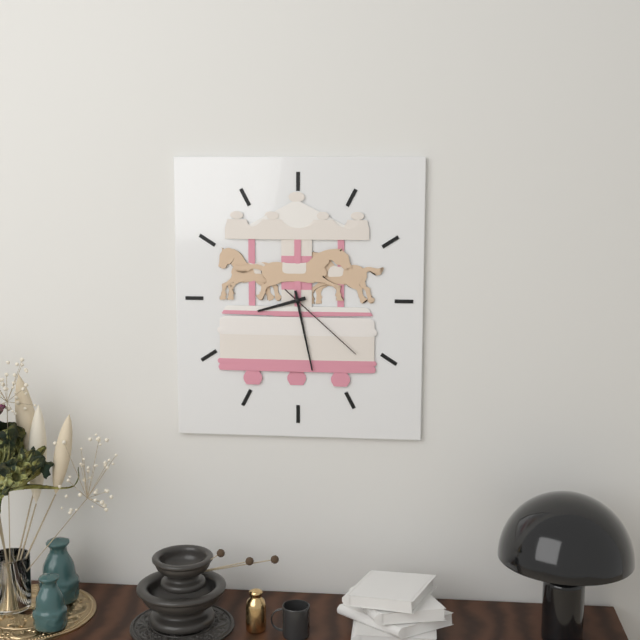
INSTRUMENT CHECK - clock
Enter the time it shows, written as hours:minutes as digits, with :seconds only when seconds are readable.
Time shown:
8:28:22
